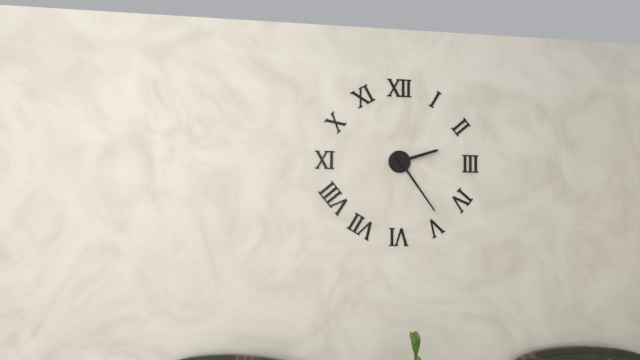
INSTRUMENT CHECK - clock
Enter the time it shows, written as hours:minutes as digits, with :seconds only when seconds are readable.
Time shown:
2:24
